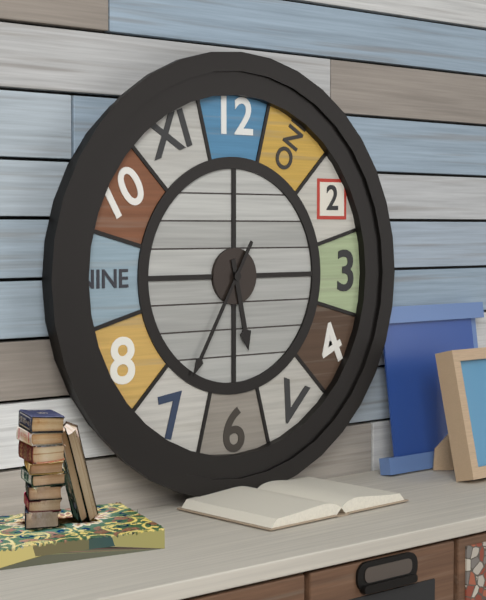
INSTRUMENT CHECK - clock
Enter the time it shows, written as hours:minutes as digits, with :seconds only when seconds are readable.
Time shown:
5:35
